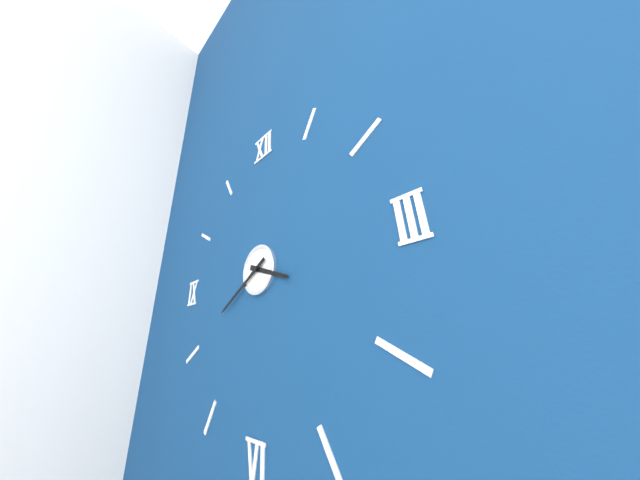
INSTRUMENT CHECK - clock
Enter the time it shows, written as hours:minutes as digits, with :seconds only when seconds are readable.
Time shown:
3:40
